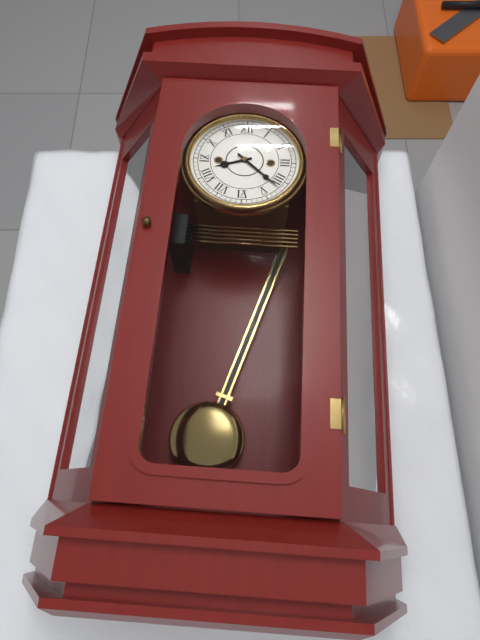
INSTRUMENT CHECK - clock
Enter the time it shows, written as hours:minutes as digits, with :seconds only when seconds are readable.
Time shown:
8:22
